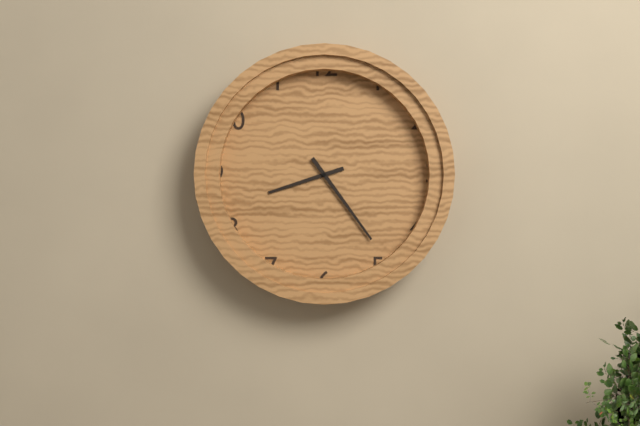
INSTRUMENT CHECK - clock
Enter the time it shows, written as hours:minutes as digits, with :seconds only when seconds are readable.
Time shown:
8:24
